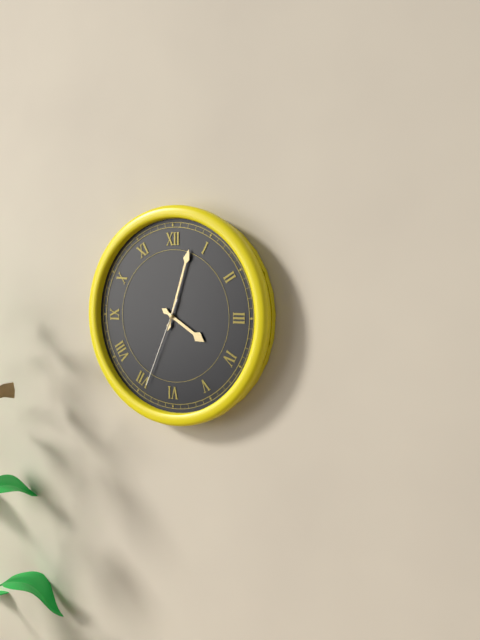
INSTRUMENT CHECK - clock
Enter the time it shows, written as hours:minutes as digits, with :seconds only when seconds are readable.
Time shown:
4:03:34
